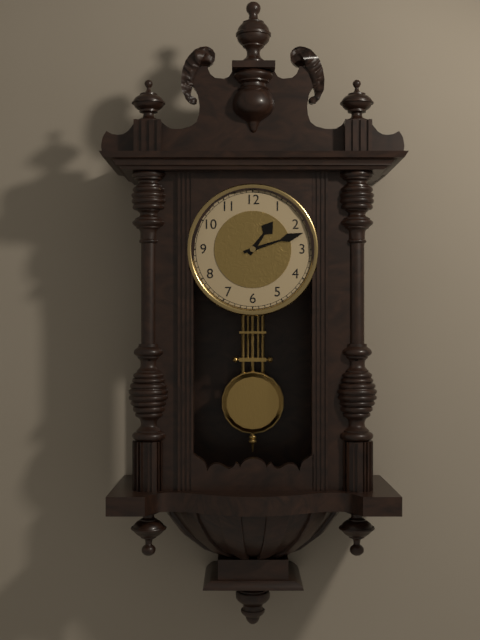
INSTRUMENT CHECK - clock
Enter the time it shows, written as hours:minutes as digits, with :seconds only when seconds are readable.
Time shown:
1:12
